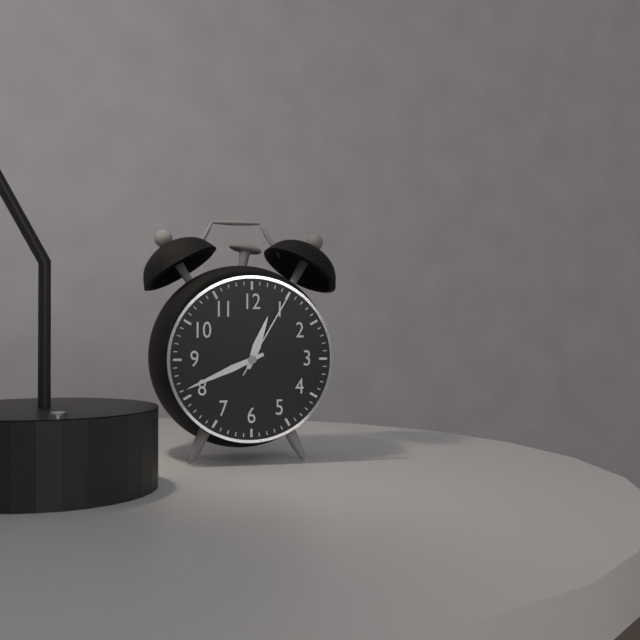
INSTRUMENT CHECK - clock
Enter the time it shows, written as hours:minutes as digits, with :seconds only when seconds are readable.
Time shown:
12:41:05
